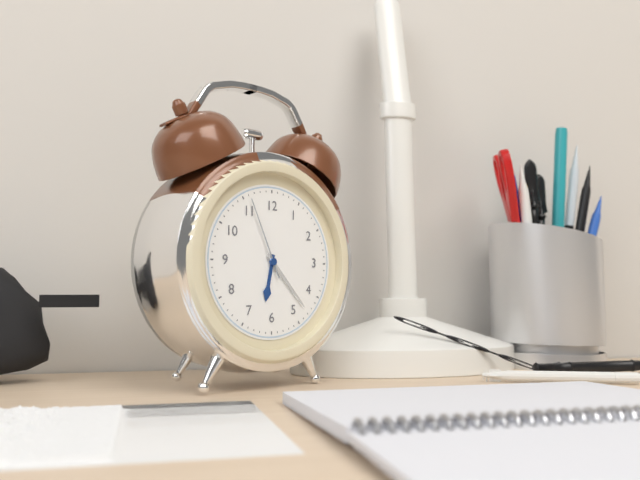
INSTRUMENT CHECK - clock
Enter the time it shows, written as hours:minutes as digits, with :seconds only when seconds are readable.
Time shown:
6:23:56
